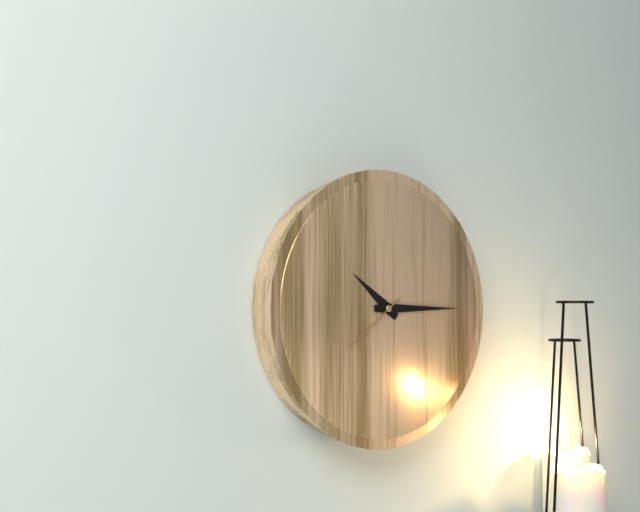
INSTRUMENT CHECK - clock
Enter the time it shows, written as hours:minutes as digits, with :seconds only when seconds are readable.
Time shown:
10:15:39
